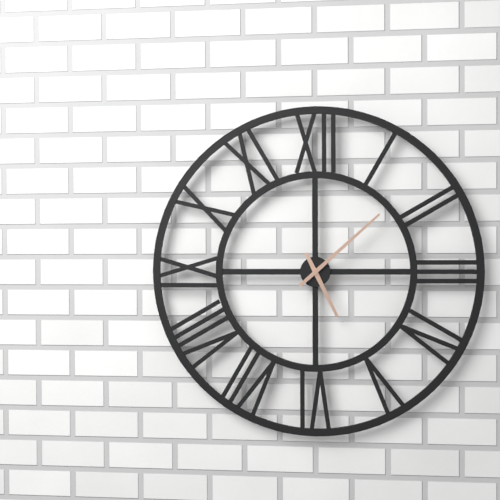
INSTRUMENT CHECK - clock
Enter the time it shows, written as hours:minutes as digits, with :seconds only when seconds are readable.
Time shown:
5:08
